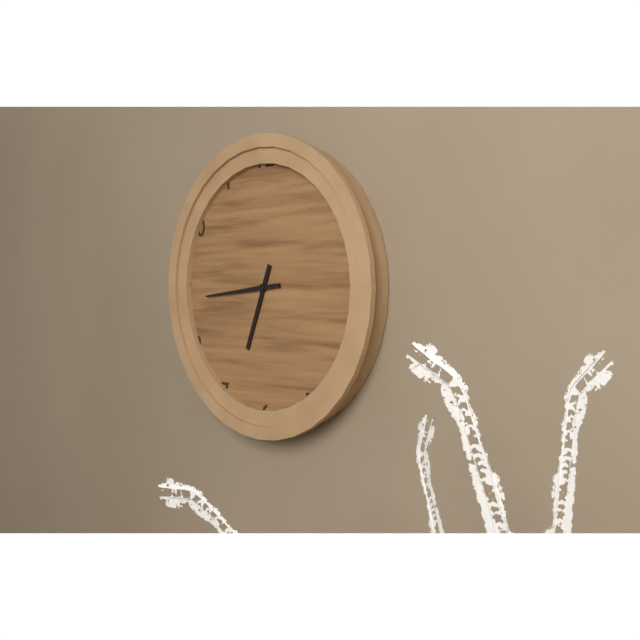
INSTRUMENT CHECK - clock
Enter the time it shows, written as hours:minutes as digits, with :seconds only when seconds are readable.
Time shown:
6:44
